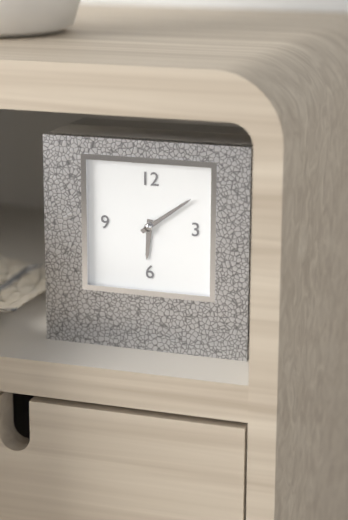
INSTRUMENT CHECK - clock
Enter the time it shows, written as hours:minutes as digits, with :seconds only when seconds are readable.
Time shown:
6:09
